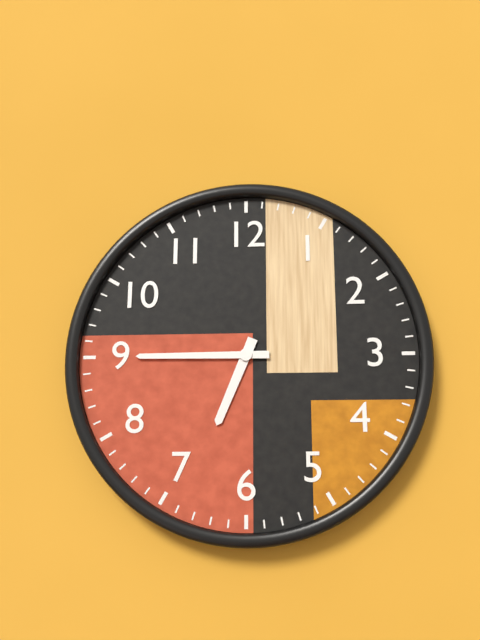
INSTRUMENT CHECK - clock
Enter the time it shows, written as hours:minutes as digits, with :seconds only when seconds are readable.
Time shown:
6:45
